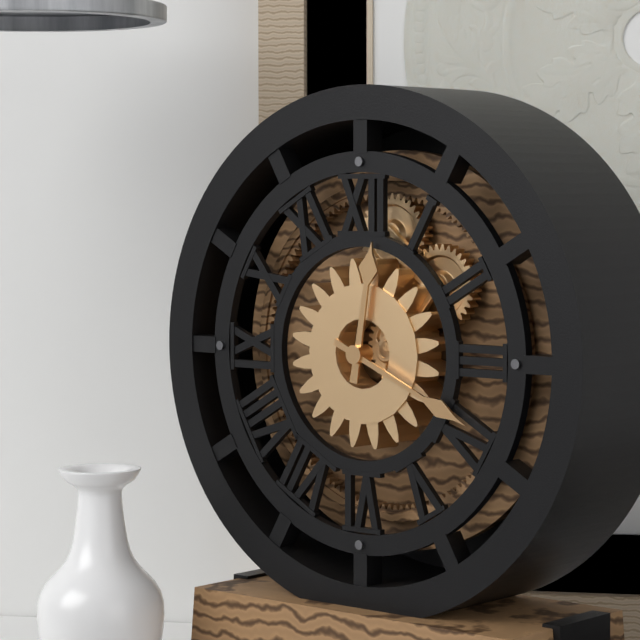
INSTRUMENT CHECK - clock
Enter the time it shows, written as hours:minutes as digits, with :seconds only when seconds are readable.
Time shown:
12:19
